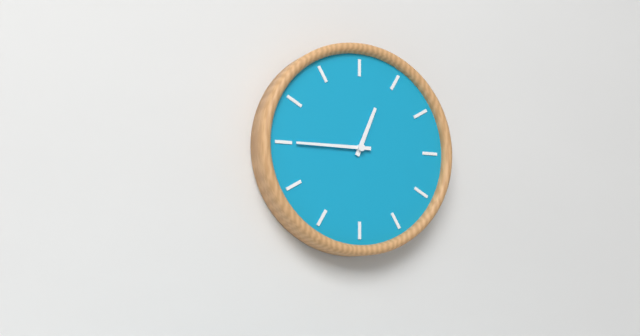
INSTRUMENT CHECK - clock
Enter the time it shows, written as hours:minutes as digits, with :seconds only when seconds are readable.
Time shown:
12:45
